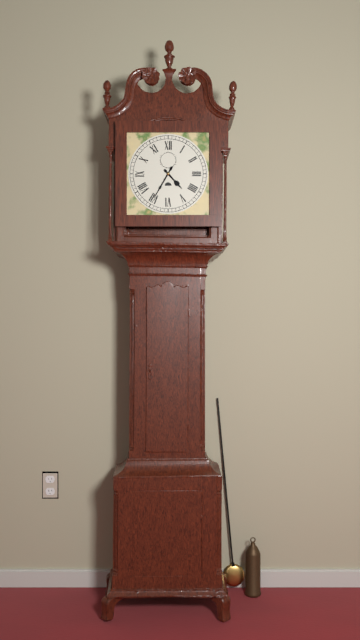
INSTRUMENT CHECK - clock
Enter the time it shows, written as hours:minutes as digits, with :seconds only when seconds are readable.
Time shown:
4:35
